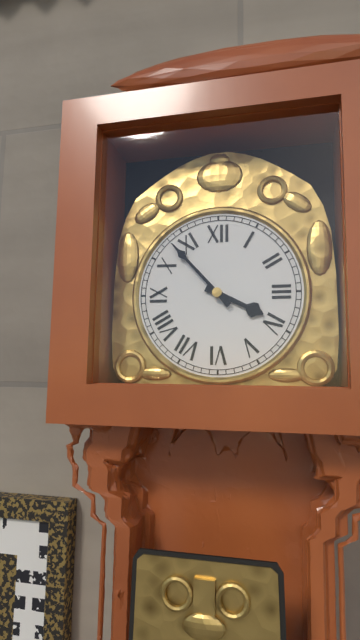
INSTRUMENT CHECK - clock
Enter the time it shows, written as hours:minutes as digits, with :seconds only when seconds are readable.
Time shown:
3:53
